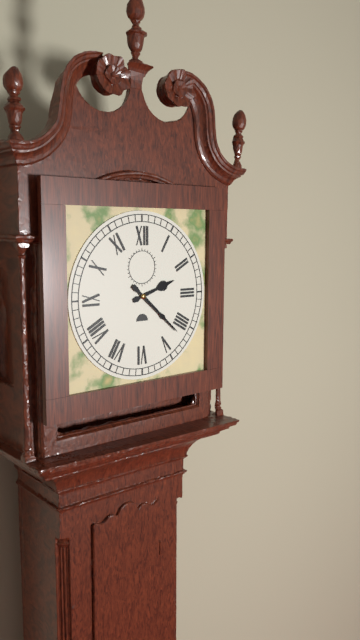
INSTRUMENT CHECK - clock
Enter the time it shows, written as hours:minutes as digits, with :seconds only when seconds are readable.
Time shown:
2:22
